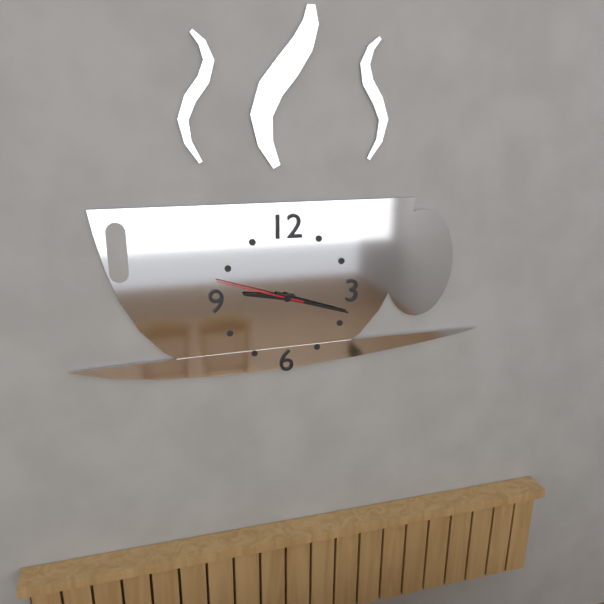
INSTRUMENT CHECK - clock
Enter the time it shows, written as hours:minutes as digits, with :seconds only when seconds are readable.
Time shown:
9:18:48
